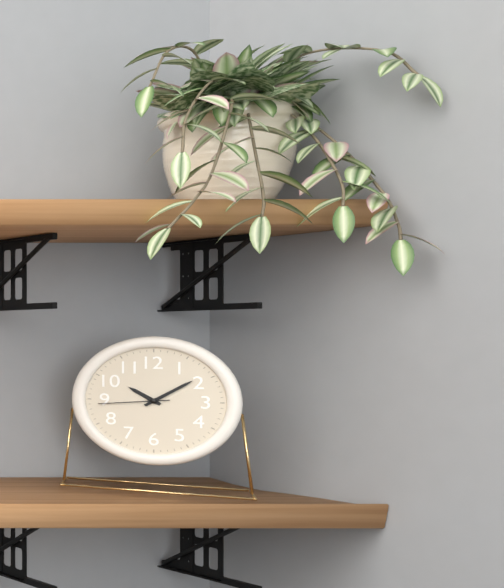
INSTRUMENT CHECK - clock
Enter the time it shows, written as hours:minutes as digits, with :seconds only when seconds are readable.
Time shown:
10:09:44
